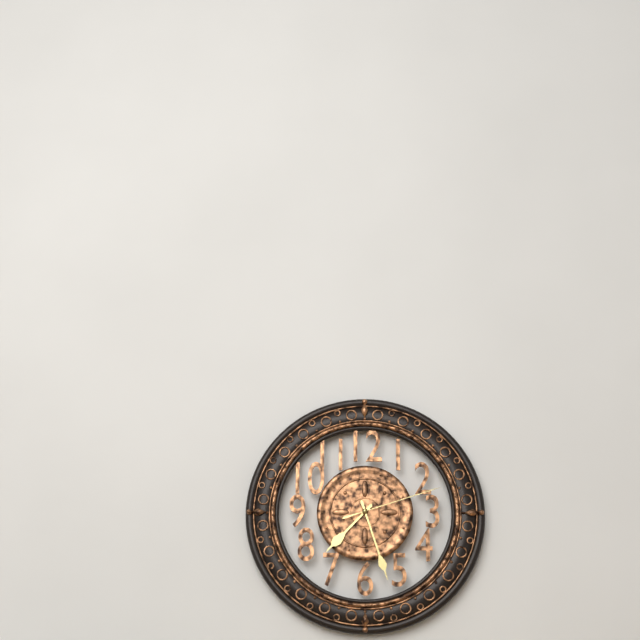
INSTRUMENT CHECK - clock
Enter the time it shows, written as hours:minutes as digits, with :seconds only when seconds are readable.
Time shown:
7:27:12
